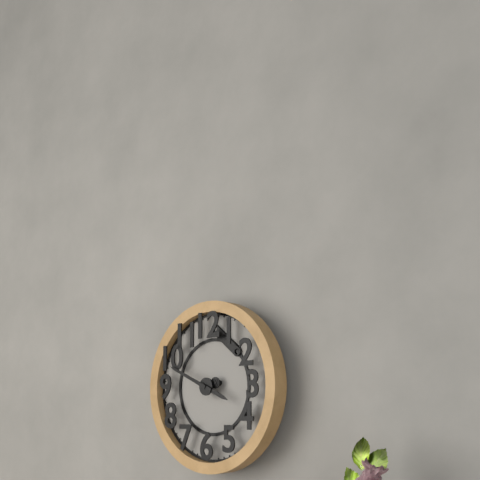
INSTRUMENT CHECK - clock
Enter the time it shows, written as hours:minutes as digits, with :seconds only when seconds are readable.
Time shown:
3:49
